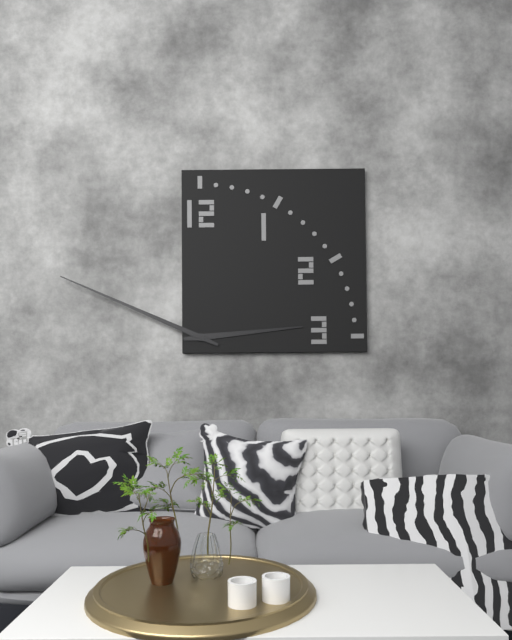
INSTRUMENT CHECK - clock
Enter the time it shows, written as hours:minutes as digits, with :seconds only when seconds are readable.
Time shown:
2:49
